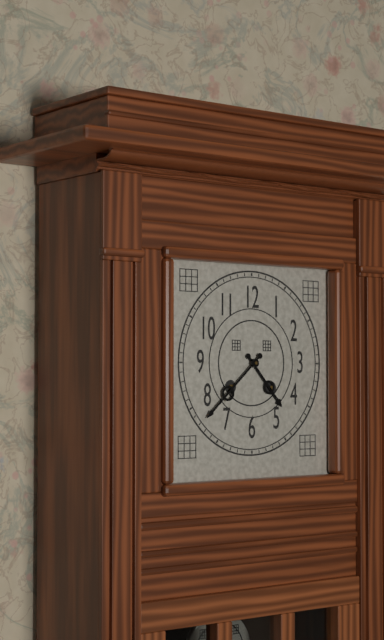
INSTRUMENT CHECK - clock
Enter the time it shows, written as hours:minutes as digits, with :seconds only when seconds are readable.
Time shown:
4:38
